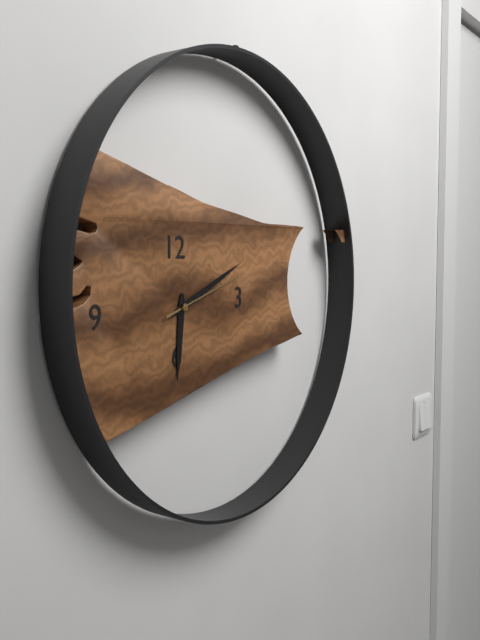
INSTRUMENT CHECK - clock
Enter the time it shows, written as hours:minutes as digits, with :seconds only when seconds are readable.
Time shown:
6:11:12
